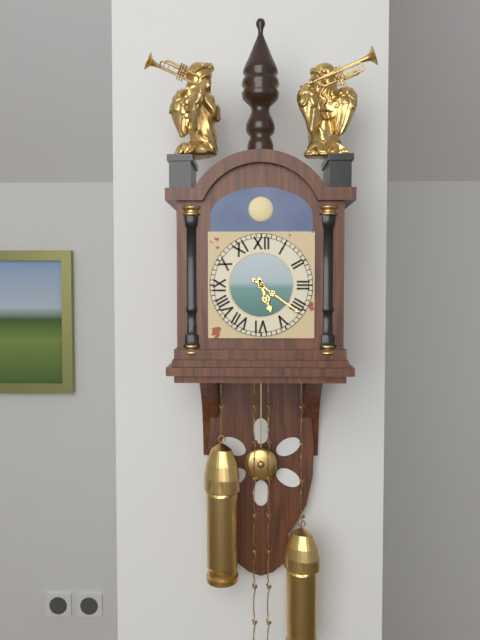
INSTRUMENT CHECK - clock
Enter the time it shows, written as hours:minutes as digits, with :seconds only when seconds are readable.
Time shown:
5:21
